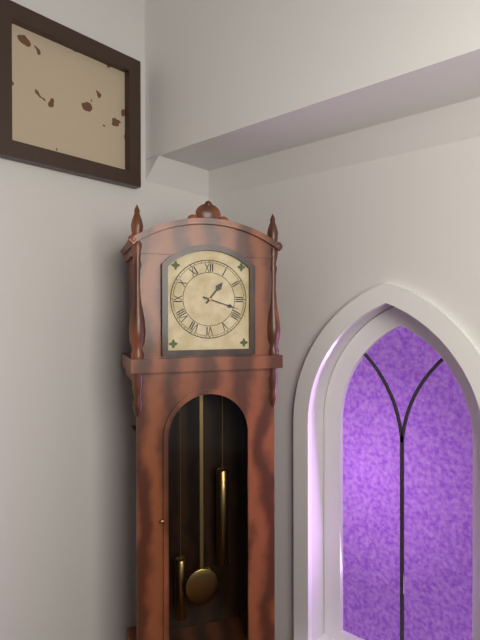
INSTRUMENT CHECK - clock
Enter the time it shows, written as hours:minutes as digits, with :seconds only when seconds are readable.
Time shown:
1:18
